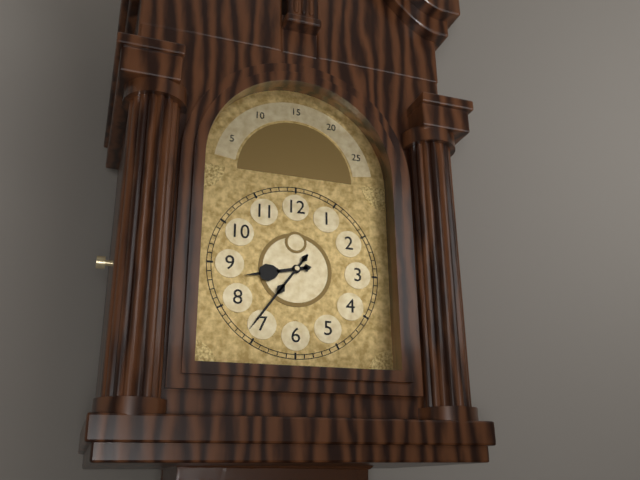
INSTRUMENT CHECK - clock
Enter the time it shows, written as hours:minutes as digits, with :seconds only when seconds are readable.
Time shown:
8:36
